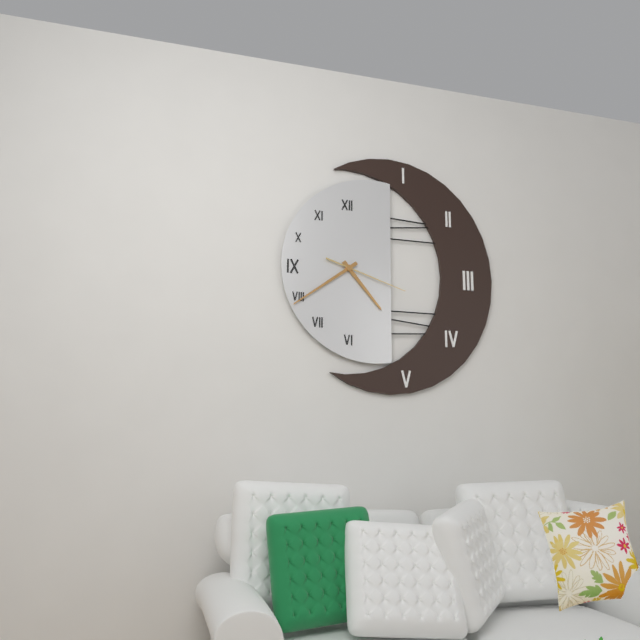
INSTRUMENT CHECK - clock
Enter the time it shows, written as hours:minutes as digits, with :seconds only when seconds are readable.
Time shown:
4:39:18
